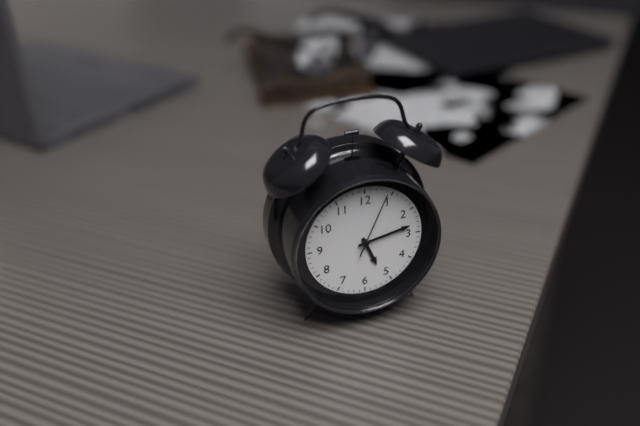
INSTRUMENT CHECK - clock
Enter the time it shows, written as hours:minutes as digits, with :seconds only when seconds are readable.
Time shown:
5:13:04
